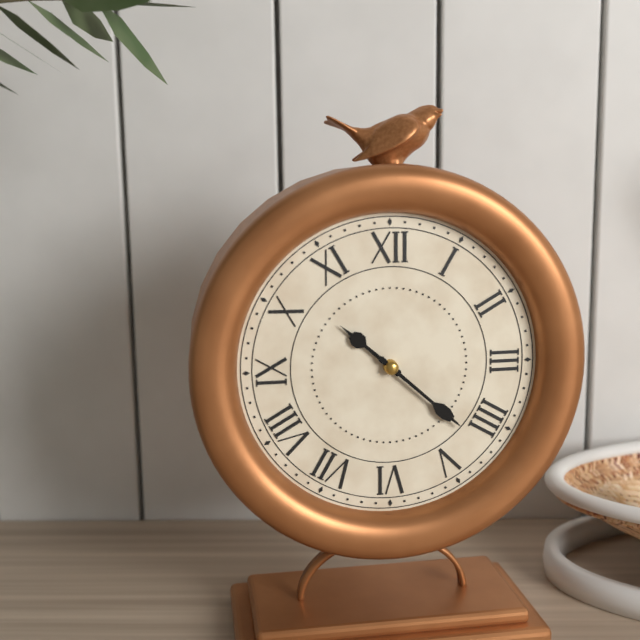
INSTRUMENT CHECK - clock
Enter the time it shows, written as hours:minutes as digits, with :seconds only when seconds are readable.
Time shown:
10:22
